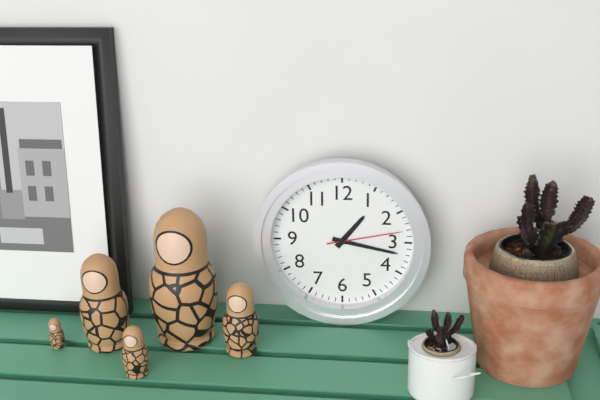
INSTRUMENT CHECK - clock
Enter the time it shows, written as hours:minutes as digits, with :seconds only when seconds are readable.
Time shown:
1:17:13
